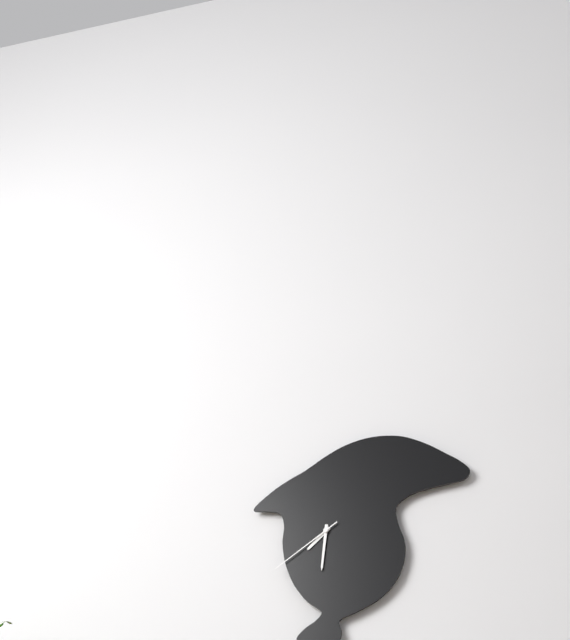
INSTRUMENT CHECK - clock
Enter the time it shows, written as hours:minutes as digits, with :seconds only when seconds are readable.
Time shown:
7:31:39
